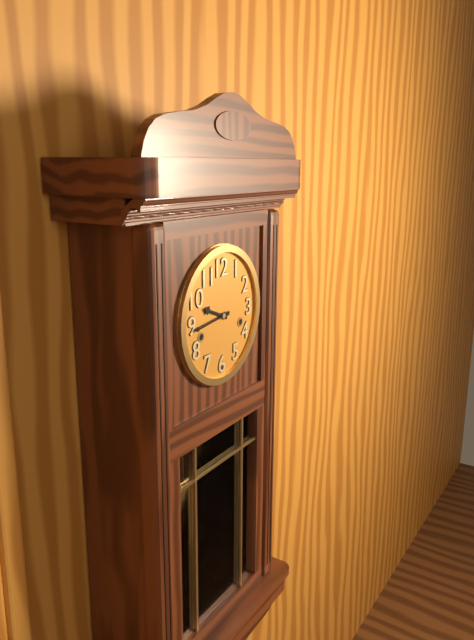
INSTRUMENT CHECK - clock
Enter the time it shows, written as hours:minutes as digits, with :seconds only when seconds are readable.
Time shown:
9:44
